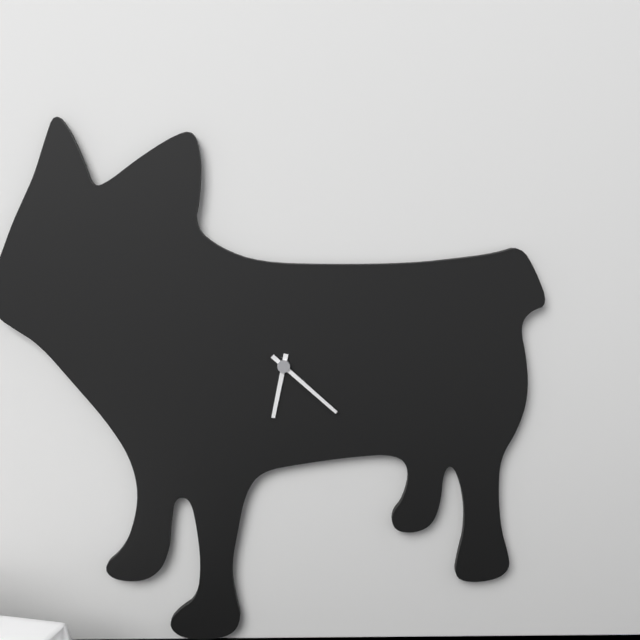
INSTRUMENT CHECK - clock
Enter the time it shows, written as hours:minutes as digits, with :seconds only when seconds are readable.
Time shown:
6:22
